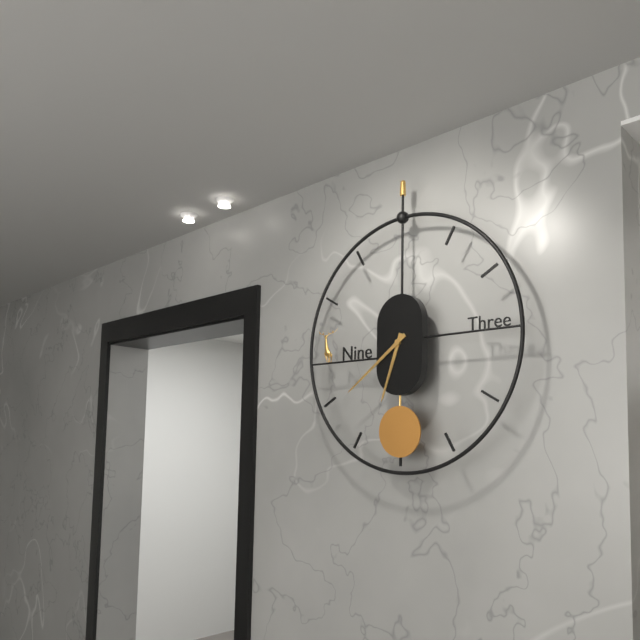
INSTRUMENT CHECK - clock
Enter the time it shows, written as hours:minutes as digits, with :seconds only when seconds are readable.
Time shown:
6:39
